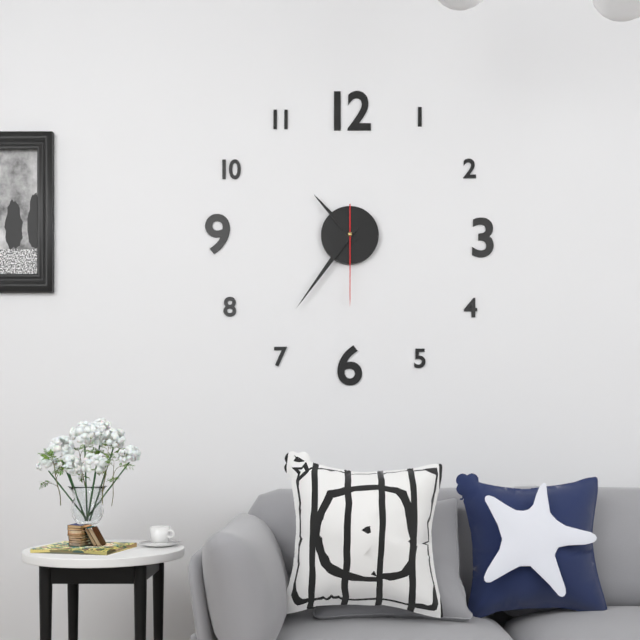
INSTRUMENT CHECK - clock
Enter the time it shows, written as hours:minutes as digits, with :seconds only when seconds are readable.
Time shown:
10:36:30
